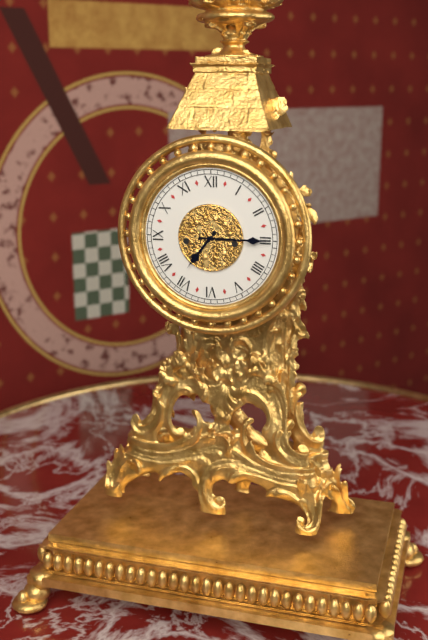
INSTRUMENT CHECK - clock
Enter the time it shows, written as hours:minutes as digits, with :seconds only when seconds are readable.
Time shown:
7:15
